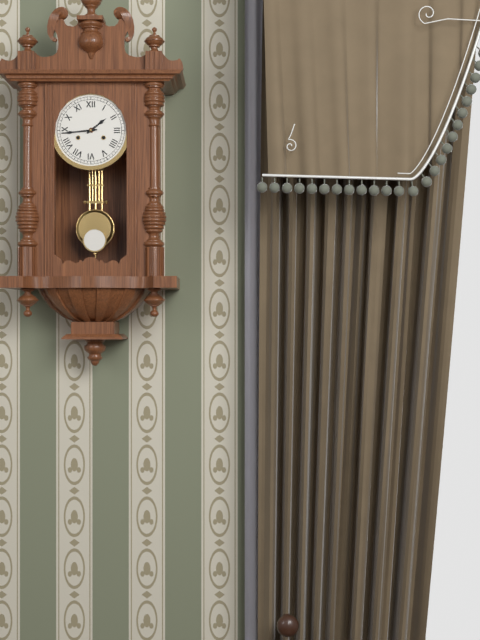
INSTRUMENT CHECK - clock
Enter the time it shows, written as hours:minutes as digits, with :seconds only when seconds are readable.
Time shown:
1:44
